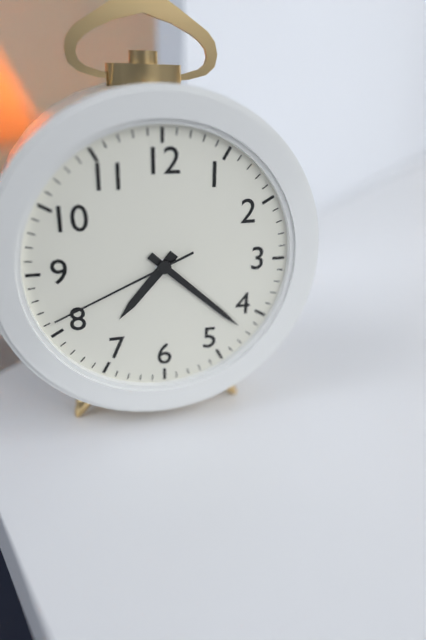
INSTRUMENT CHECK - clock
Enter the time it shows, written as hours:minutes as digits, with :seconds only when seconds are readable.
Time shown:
7:22:41
